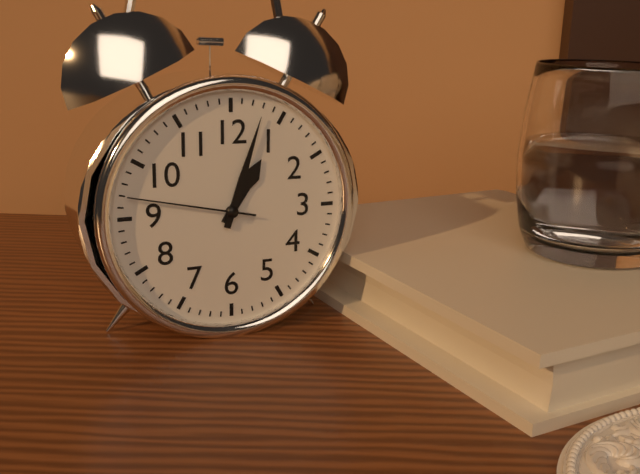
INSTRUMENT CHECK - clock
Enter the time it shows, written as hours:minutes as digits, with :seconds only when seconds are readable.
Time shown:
1:03:47
